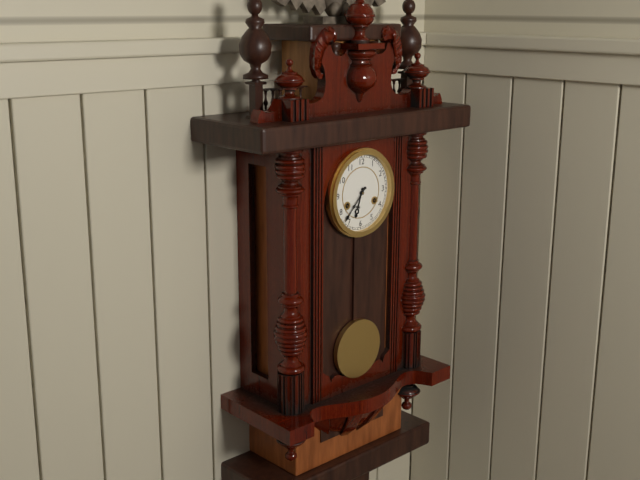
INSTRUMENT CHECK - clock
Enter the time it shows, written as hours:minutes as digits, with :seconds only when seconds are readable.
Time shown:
6:37
